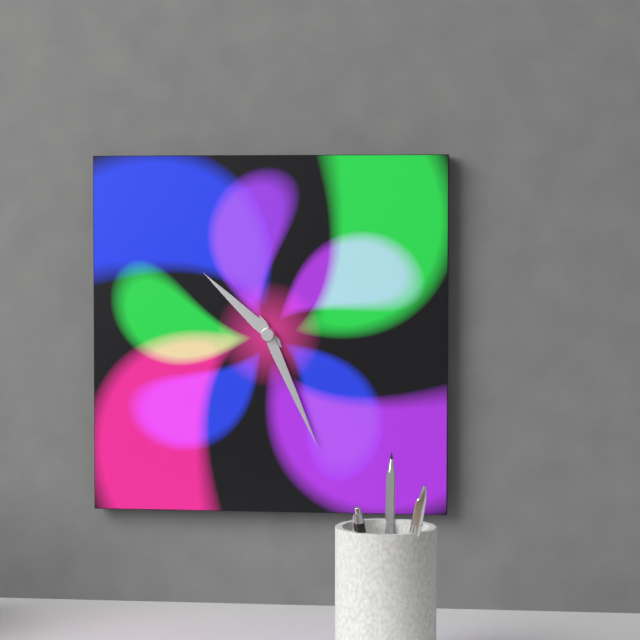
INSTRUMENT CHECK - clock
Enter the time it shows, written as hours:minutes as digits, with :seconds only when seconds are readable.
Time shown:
10:26
